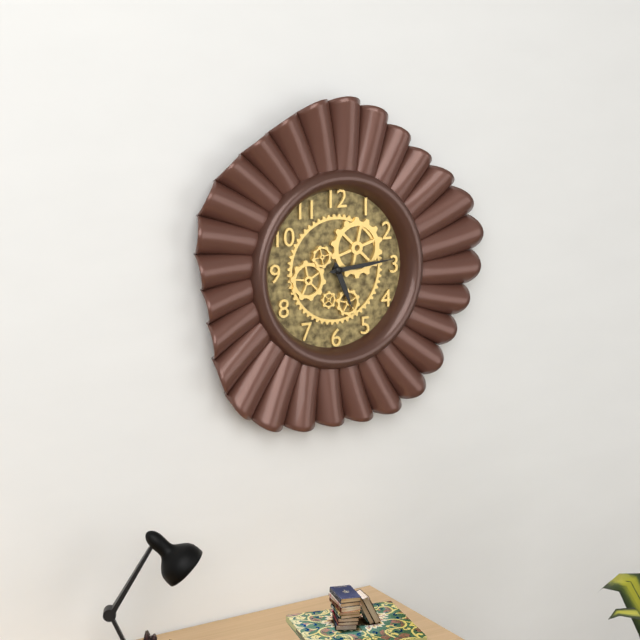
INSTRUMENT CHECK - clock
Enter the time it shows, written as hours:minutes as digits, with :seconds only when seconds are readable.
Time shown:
5:14
